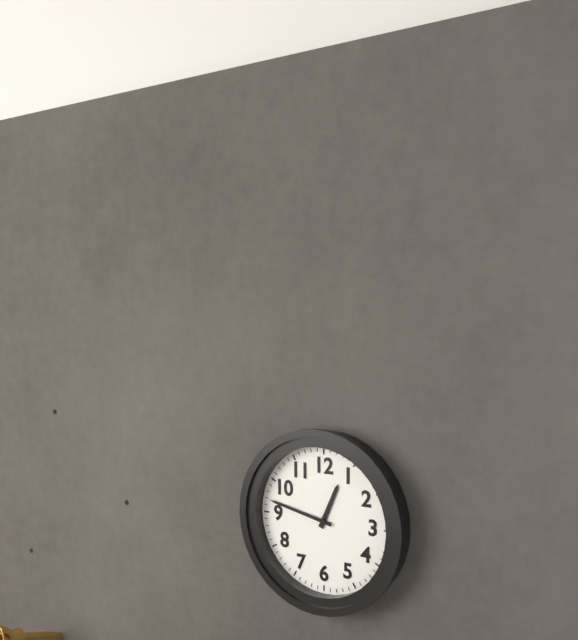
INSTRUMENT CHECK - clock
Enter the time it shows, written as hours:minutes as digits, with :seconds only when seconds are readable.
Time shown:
12:47
